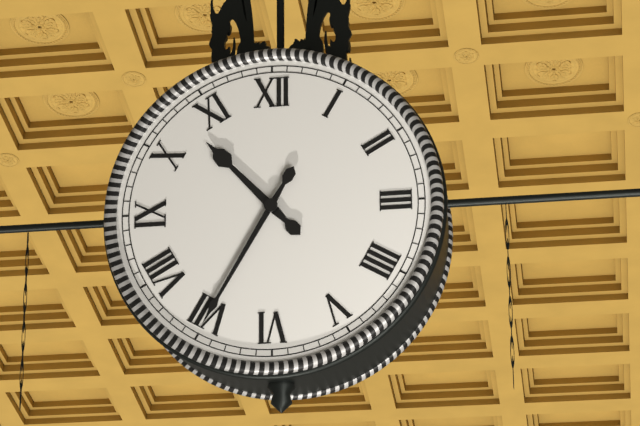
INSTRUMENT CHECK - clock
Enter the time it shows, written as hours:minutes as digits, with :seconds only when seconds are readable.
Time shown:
10:35
